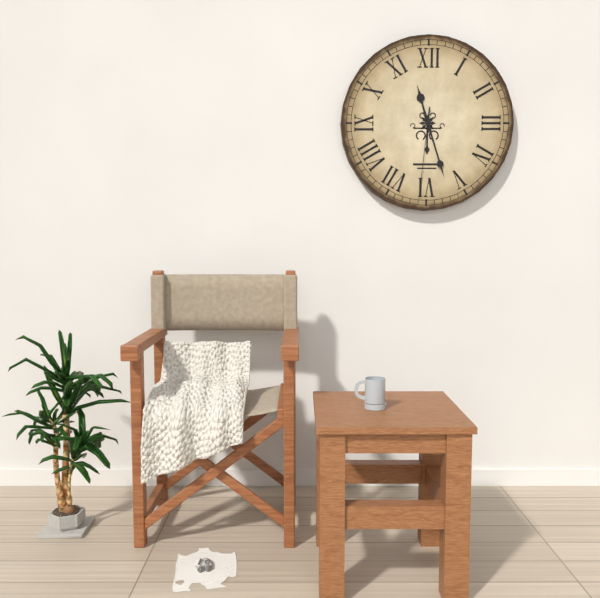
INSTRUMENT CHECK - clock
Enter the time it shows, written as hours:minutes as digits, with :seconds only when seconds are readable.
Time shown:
11:27:31
